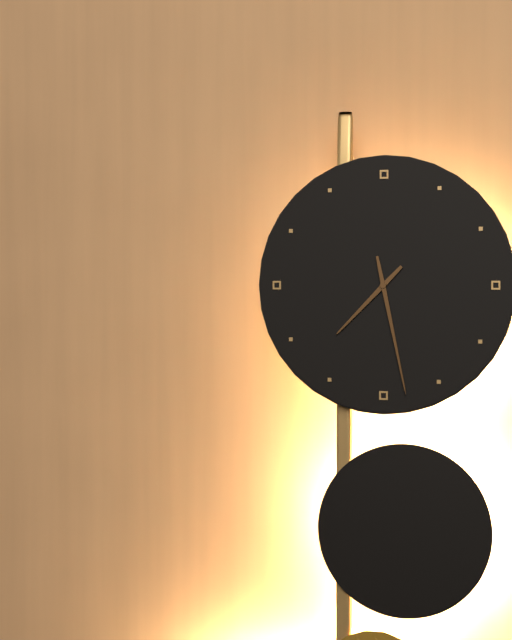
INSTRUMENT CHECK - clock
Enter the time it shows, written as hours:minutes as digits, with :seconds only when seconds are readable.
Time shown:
7:28
